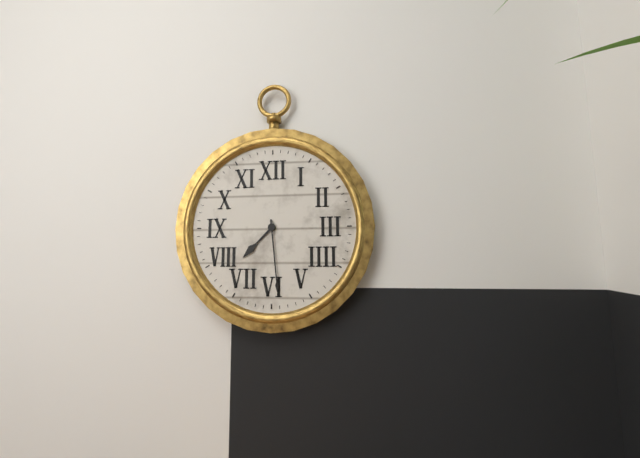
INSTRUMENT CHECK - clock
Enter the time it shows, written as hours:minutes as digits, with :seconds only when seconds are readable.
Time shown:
7:29
